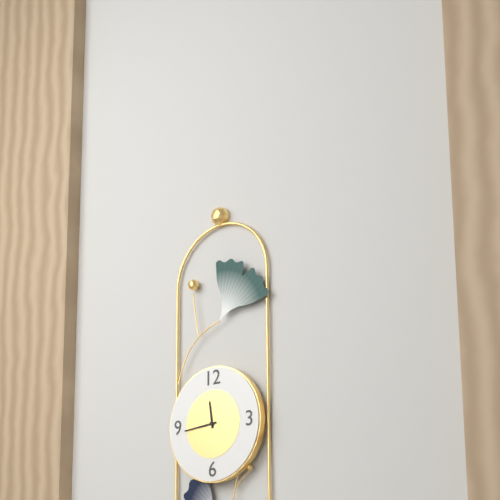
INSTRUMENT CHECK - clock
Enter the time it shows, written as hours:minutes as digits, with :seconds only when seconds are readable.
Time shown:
11:44
